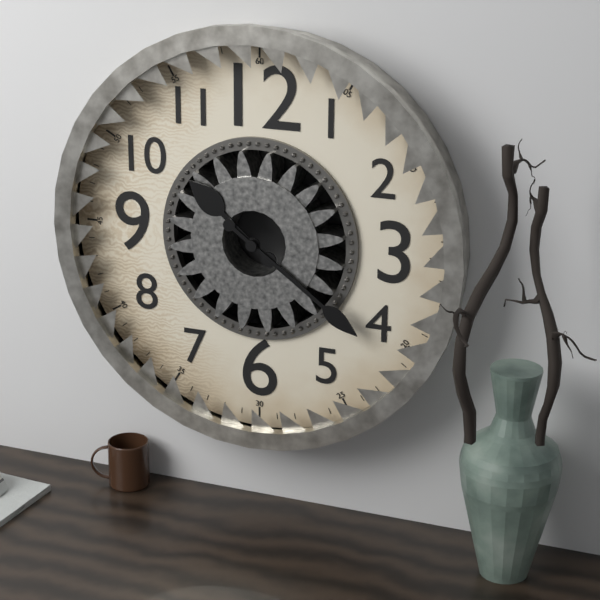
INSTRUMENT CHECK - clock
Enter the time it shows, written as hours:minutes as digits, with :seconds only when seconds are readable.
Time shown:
10:21
